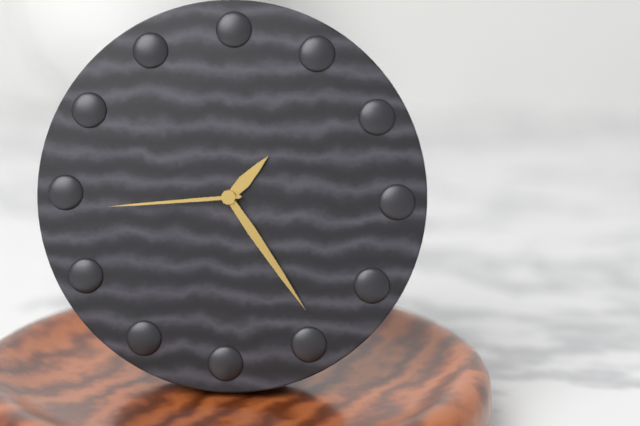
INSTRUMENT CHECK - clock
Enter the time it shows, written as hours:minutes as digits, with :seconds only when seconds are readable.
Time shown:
1:24:44
